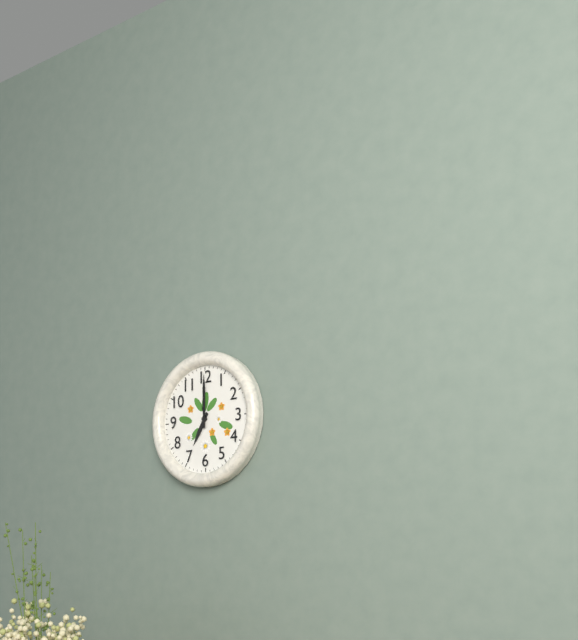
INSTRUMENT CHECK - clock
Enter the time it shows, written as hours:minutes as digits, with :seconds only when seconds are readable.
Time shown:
7:00
